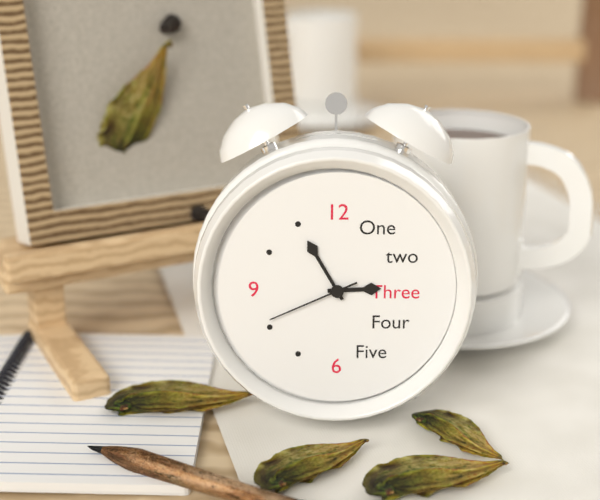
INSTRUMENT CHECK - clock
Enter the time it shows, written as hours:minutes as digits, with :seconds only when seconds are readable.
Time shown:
2:55:41
